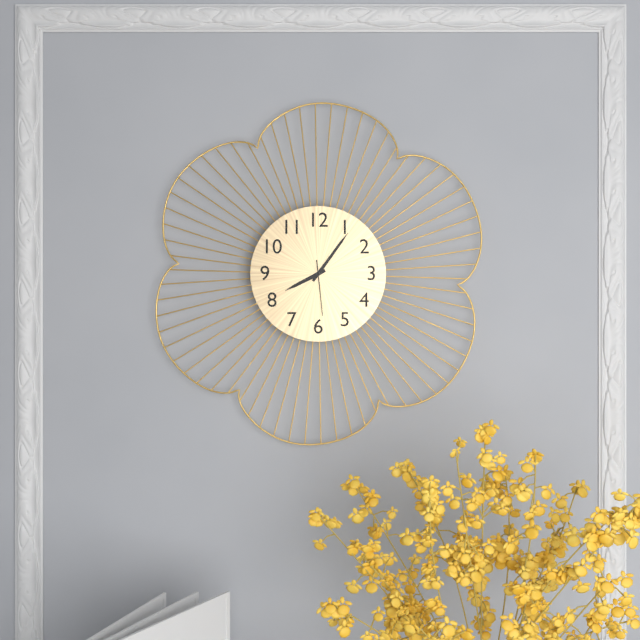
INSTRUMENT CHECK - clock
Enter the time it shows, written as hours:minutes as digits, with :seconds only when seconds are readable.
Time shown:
8:06:29
